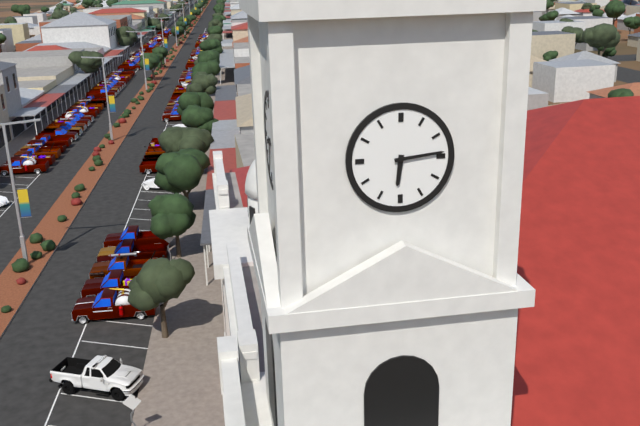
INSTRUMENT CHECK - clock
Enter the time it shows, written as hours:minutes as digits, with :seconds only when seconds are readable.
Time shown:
6:14
